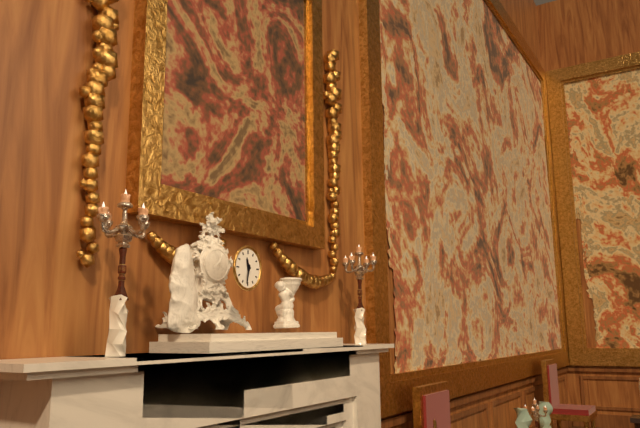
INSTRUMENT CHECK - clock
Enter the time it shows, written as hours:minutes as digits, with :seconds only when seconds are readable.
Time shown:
11:32
